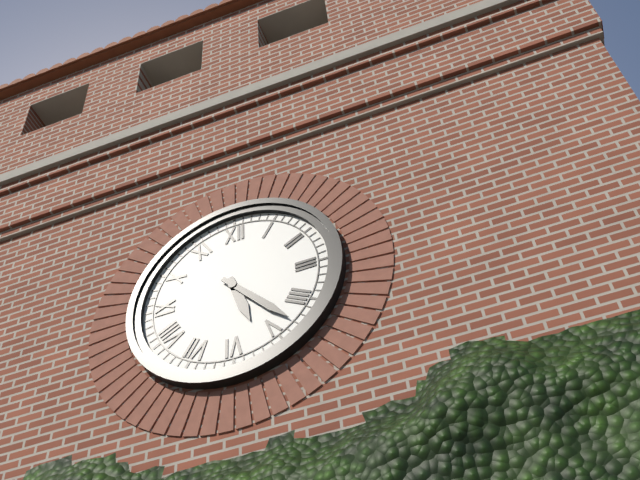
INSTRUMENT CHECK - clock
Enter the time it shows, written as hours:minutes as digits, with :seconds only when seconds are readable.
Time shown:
5:23
